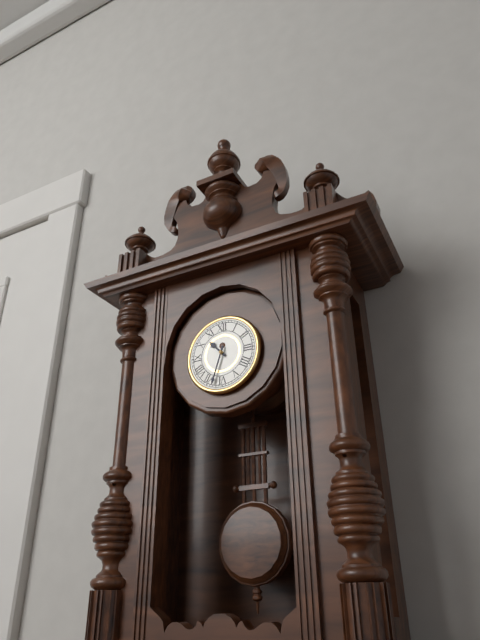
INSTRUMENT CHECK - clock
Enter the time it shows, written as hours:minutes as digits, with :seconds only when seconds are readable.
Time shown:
10:33
